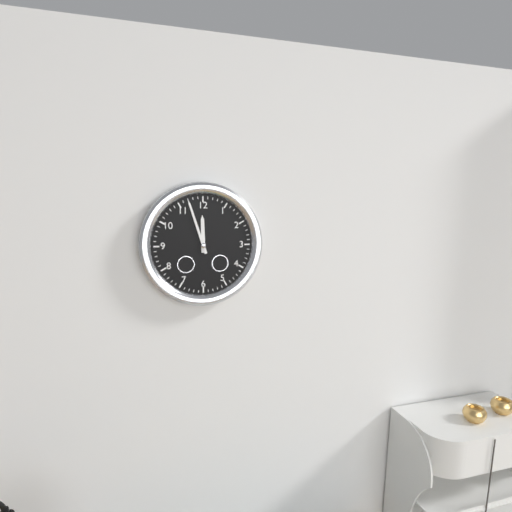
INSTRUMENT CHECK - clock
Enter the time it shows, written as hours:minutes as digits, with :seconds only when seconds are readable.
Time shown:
11:57
